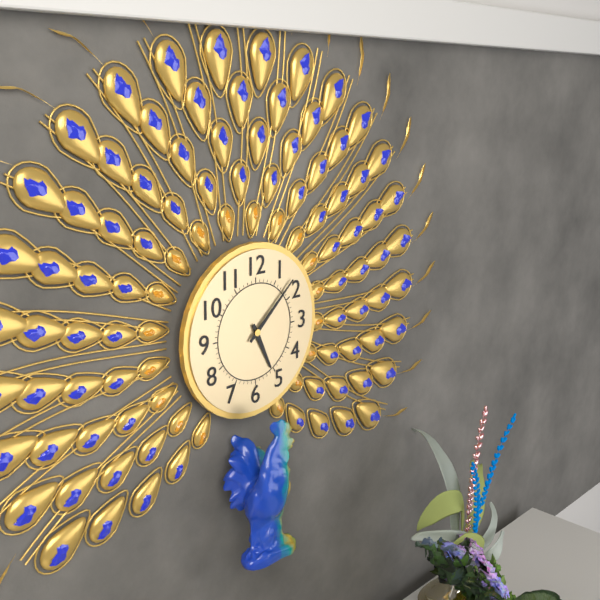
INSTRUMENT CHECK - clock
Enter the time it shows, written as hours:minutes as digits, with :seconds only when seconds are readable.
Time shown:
5:08
